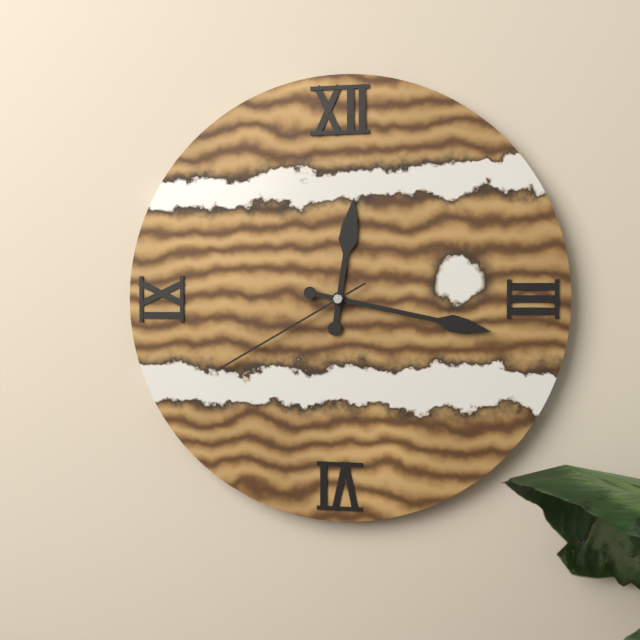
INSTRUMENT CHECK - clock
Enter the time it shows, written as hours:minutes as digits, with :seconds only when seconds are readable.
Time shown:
12:17:40
